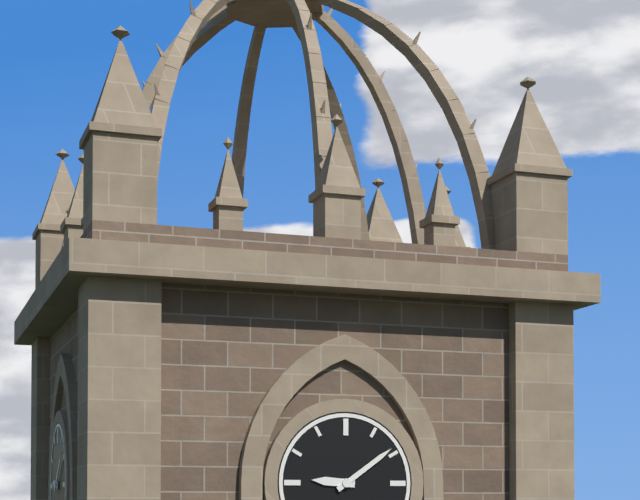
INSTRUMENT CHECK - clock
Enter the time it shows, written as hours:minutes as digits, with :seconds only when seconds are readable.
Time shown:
9:09
